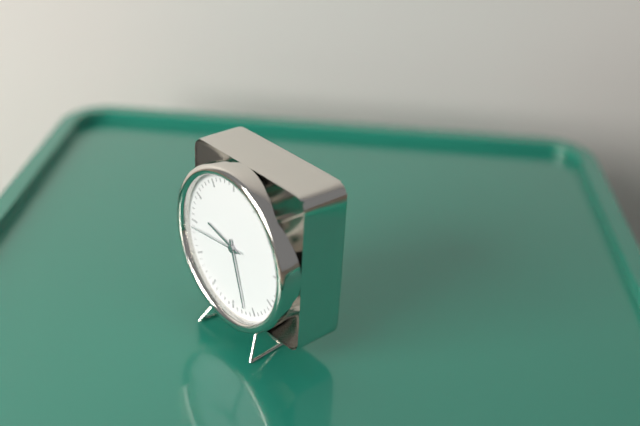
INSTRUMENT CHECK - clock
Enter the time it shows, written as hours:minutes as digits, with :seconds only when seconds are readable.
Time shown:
9:27:44
